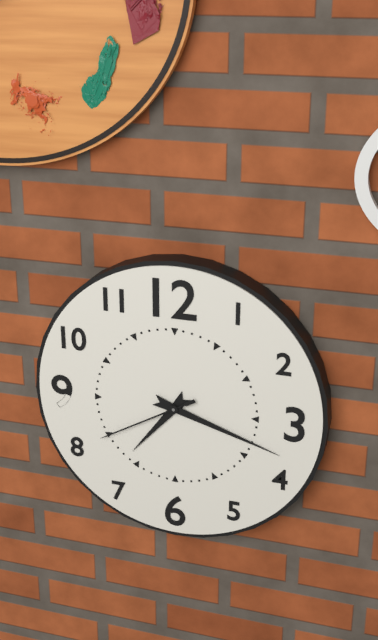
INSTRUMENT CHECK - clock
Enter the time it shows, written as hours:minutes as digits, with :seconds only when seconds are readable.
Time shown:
7:18:40
